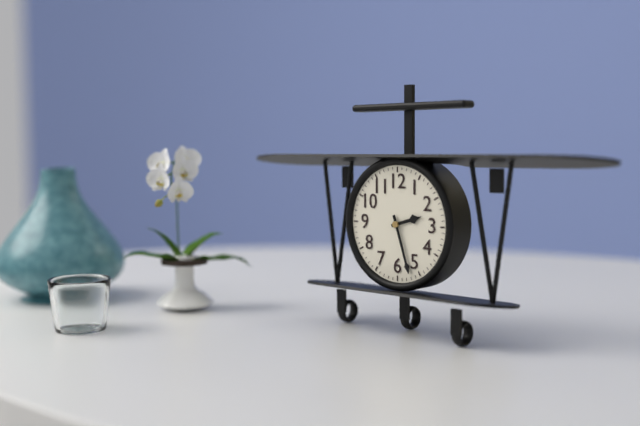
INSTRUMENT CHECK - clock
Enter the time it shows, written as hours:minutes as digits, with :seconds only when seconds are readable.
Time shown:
2:27
